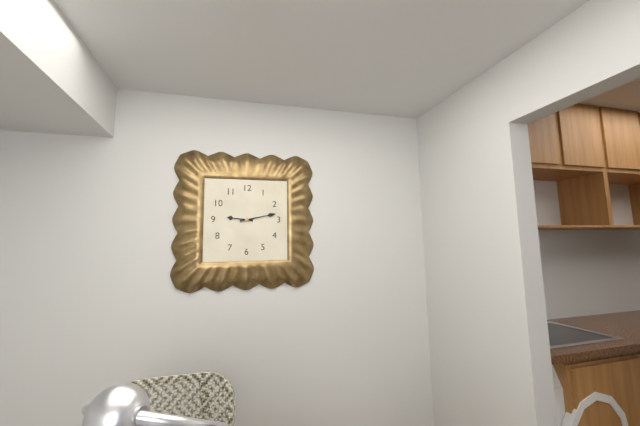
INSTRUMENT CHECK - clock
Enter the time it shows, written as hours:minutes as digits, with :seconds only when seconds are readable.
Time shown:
9:13
